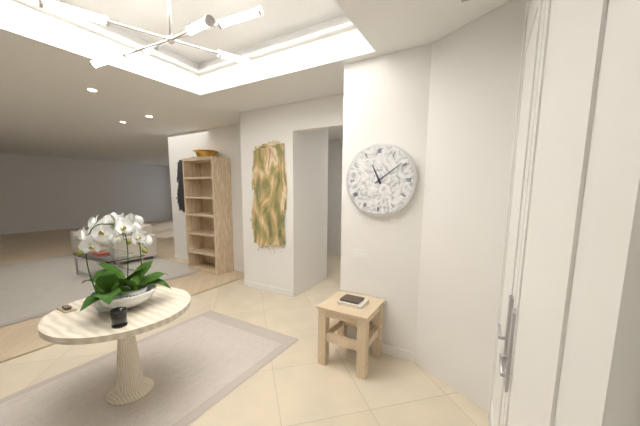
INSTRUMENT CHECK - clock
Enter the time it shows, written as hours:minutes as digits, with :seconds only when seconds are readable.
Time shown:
11:09
